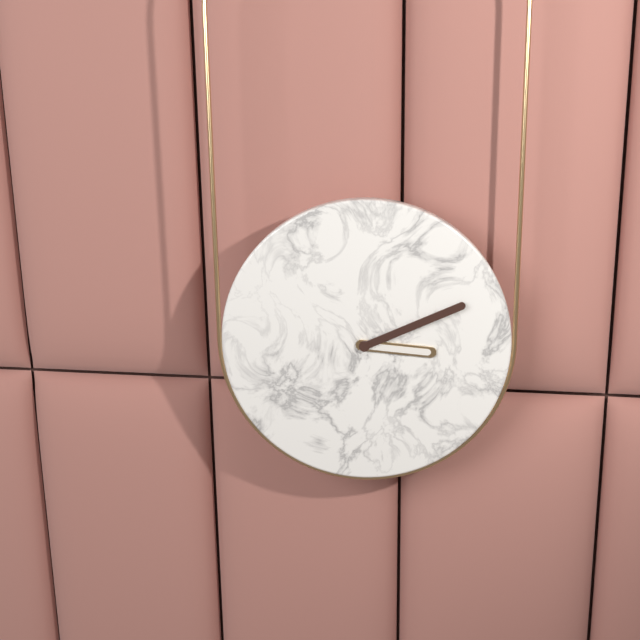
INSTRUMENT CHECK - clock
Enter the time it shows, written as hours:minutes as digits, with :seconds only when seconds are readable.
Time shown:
3:11
